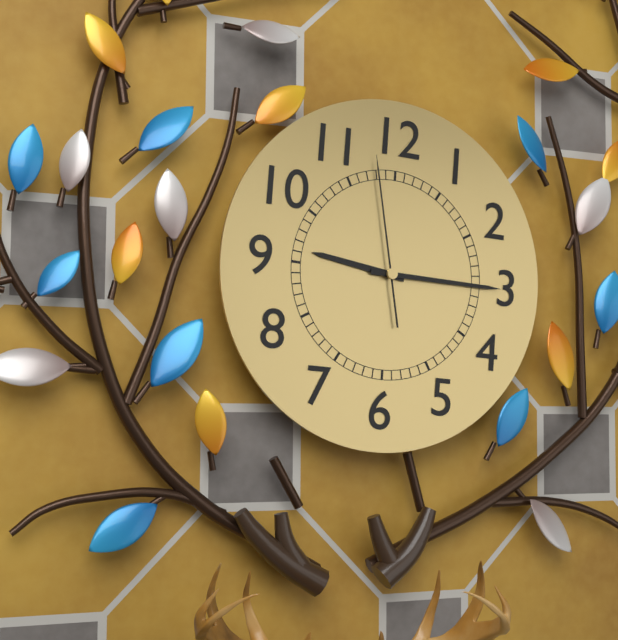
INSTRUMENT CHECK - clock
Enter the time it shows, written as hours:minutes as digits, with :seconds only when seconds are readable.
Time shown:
9:15:58
